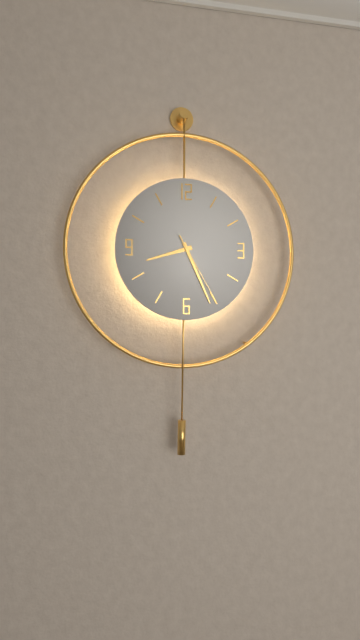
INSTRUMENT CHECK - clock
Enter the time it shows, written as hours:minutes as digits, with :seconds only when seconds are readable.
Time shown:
8:26:25
